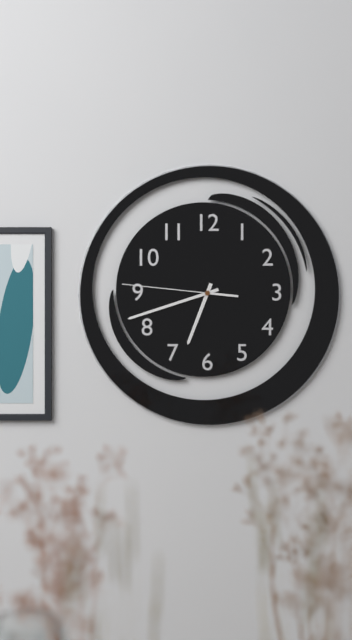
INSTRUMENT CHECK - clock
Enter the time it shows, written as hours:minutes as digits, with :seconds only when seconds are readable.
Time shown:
6:42:46
